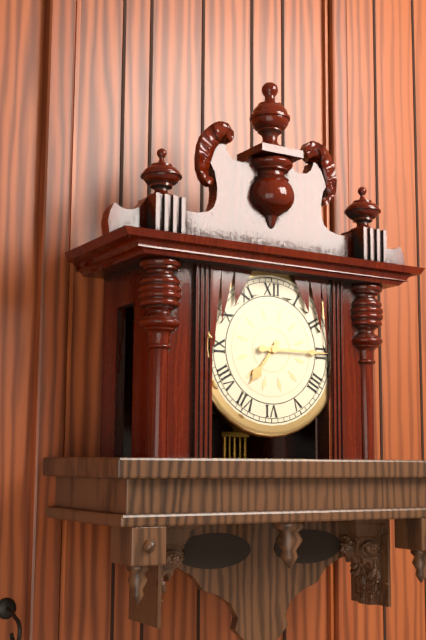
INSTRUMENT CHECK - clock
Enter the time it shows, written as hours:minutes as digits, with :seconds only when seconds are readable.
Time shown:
7:15
